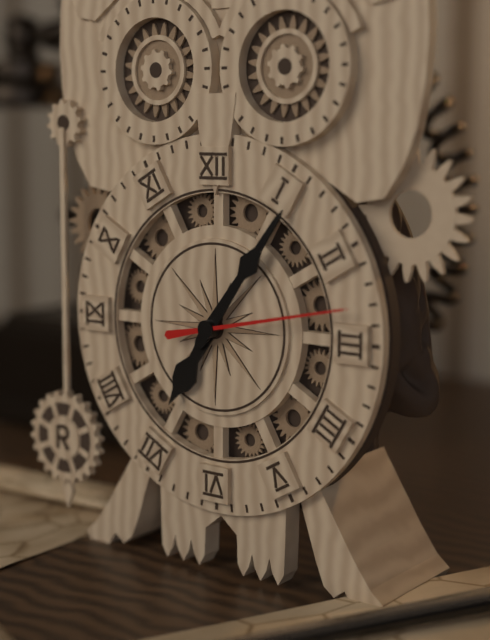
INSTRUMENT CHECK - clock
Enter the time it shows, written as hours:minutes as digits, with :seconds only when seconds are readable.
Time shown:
7:06:13
